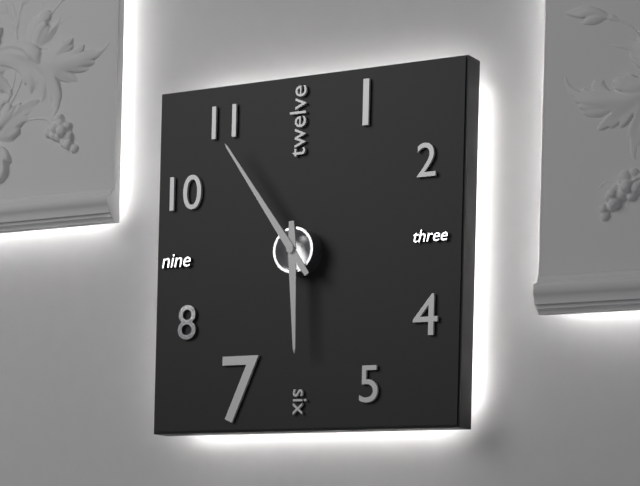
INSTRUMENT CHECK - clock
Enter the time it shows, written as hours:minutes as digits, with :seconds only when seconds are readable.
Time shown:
5:54
